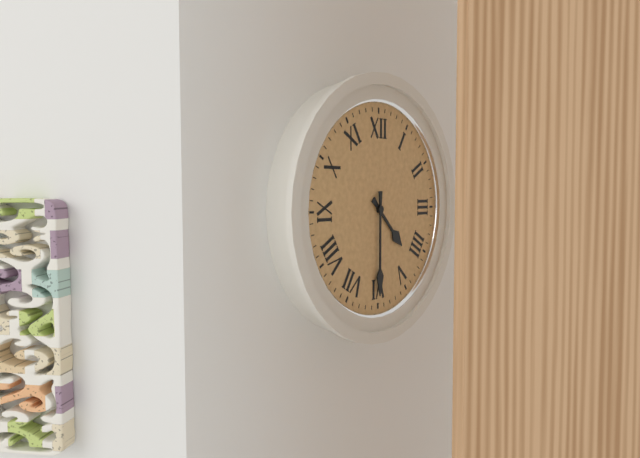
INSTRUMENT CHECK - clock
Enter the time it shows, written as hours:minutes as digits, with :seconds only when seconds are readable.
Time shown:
4:30
